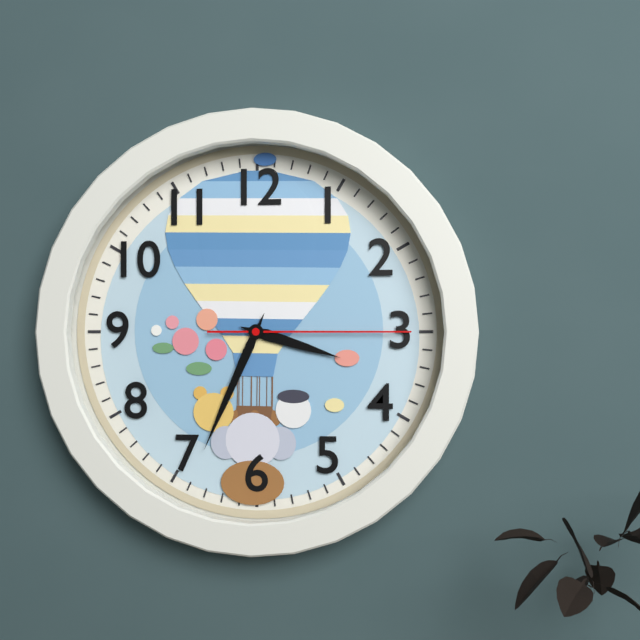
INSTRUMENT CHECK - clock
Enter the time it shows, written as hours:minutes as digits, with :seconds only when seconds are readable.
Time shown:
3:34:15
